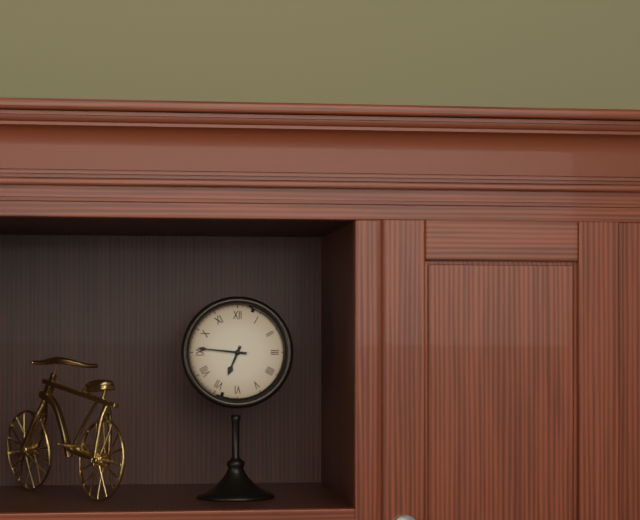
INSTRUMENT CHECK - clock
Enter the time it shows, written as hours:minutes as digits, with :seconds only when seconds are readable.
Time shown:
6:46
